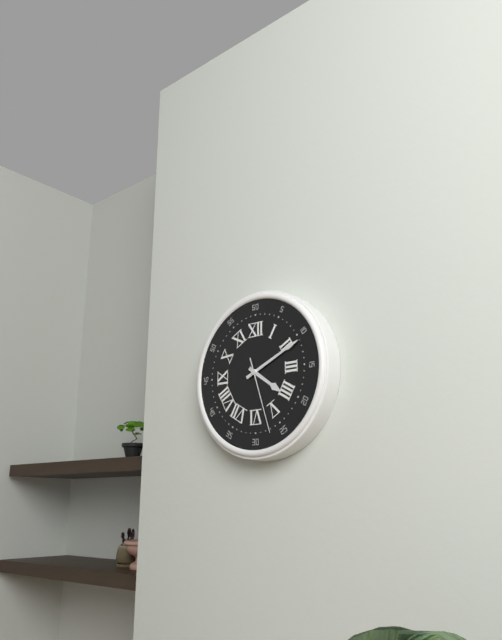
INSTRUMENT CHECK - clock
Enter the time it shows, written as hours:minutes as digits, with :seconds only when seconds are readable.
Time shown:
4:11:27
